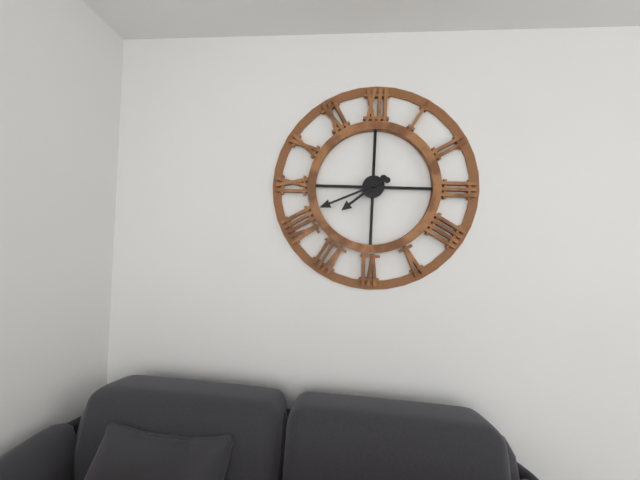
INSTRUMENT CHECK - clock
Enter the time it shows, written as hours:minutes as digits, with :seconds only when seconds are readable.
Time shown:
7:41
